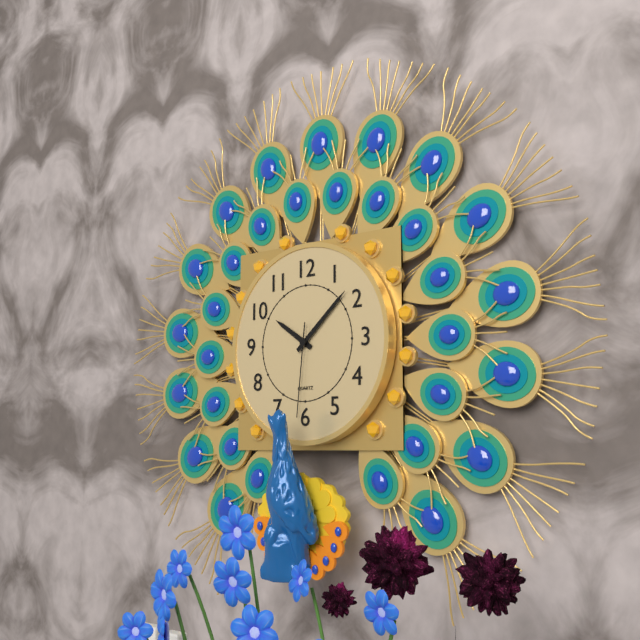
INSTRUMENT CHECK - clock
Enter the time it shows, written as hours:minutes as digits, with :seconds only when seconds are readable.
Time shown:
10:08:31
